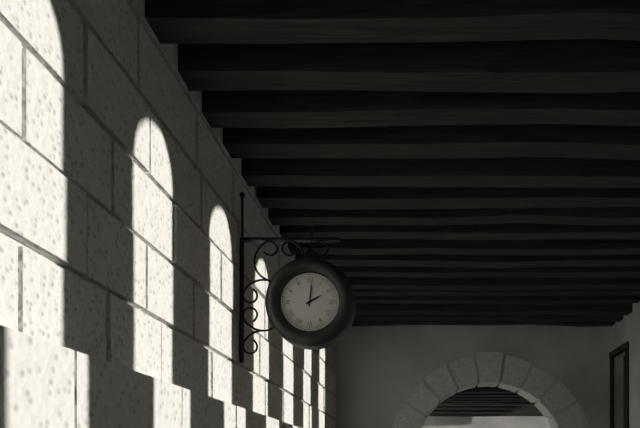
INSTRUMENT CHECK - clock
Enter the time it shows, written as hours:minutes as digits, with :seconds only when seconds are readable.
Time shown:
2:01
